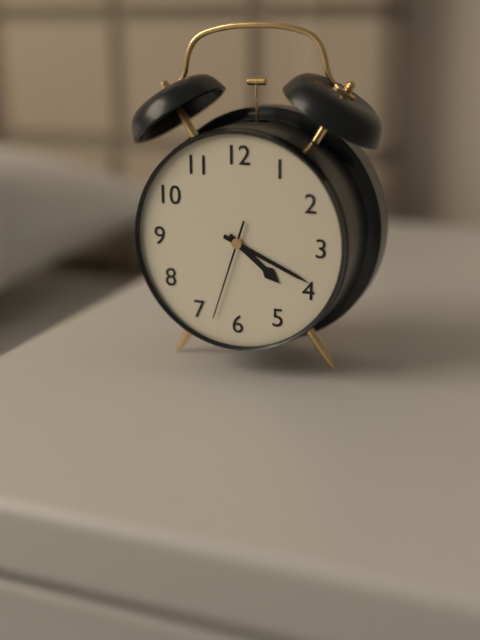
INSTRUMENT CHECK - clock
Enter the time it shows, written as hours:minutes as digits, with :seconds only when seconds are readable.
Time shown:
4:19:33
